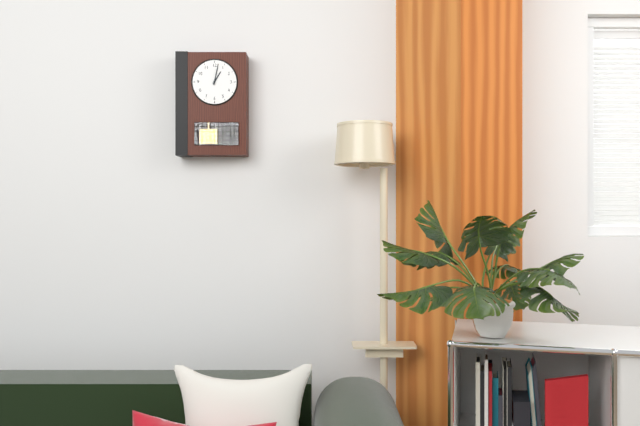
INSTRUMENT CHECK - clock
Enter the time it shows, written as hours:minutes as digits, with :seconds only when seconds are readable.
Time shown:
1:02
